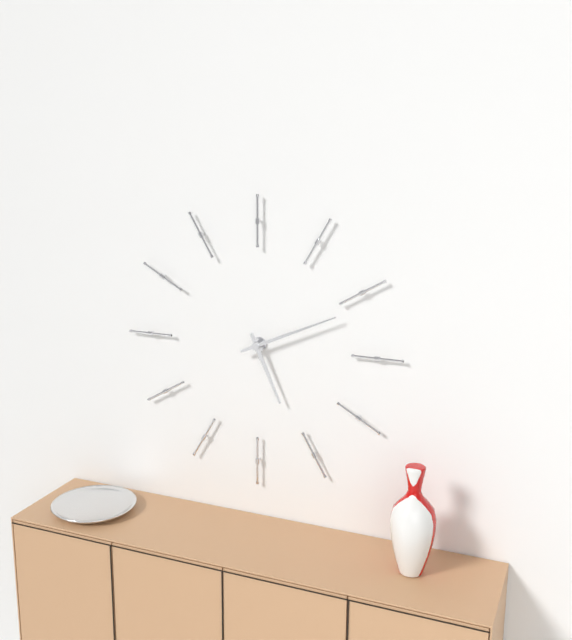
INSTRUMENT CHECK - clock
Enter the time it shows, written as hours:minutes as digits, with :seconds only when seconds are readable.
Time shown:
5:11
